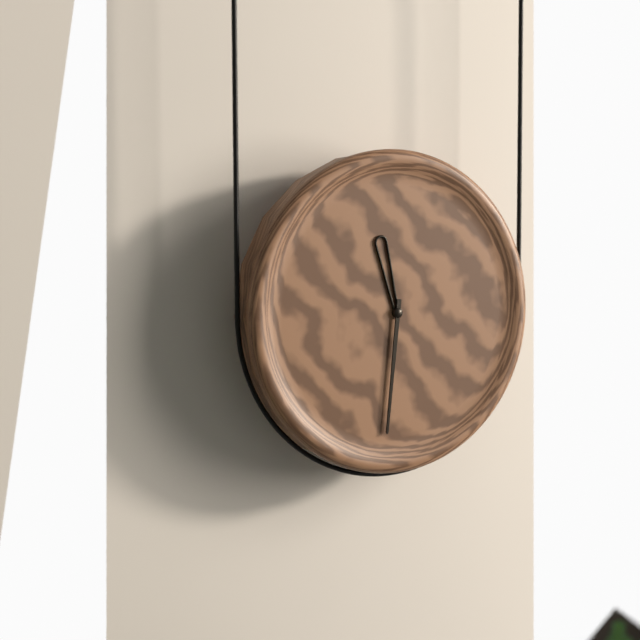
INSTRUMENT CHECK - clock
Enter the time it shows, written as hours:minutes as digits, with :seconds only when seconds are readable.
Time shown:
11:31
